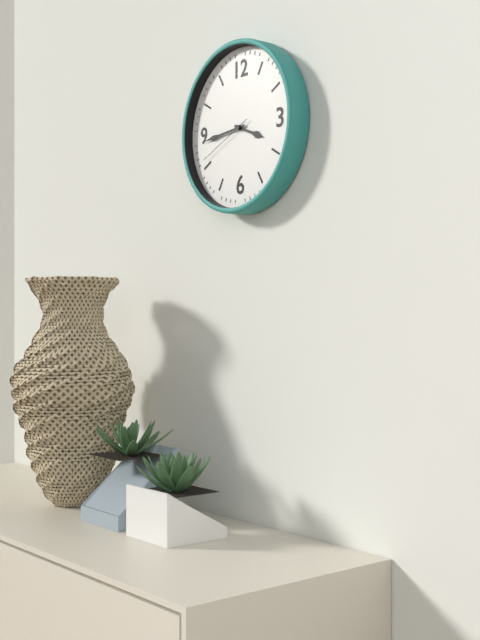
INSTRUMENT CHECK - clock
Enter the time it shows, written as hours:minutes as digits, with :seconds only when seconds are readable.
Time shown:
3:44:41
